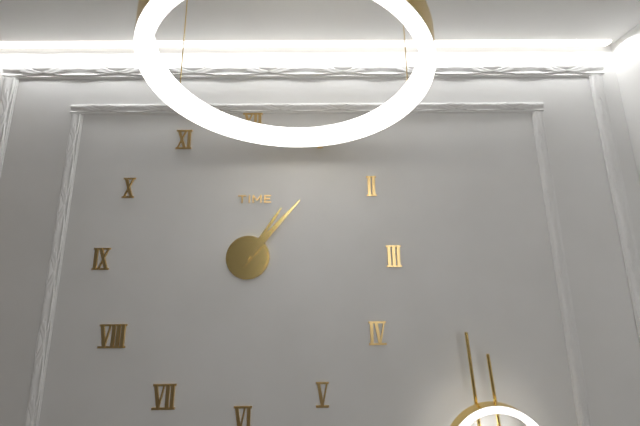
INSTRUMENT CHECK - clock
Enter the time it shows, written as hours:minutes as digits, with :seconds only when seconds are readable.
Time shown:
1:07
